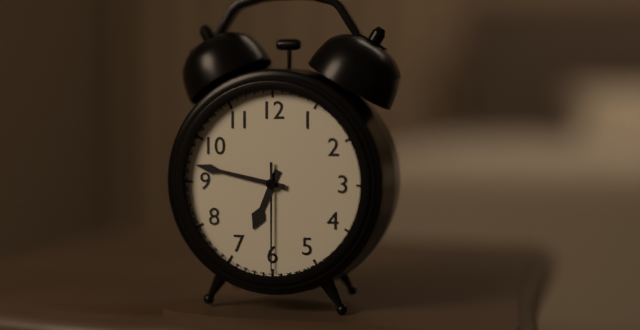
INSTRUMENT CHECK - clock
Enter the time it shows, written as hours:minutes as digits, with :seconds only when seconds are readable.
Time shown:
6:47:30
